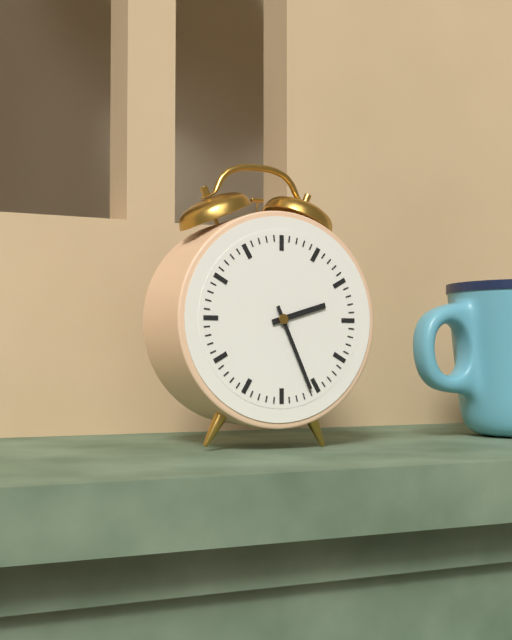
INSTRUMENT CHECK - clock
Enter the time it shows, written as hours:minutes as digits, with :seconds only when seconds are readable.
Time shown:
2:26
